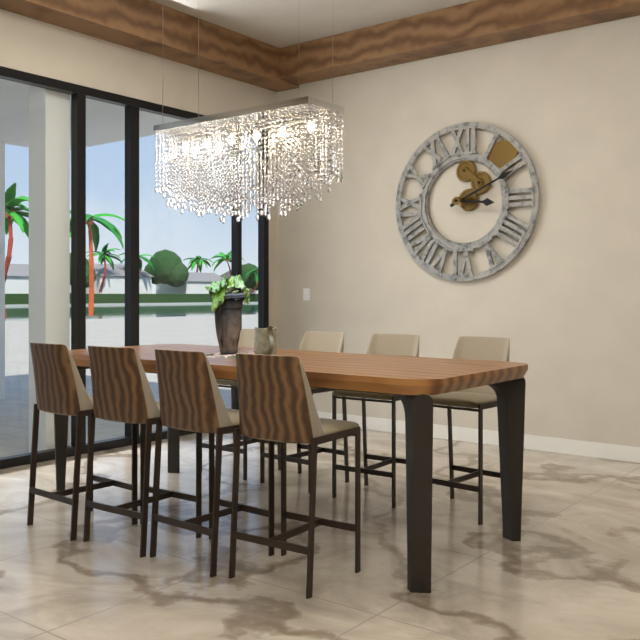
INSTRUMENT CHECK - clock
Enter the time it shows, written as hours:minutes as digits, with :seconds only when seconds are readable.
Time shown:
3:11
